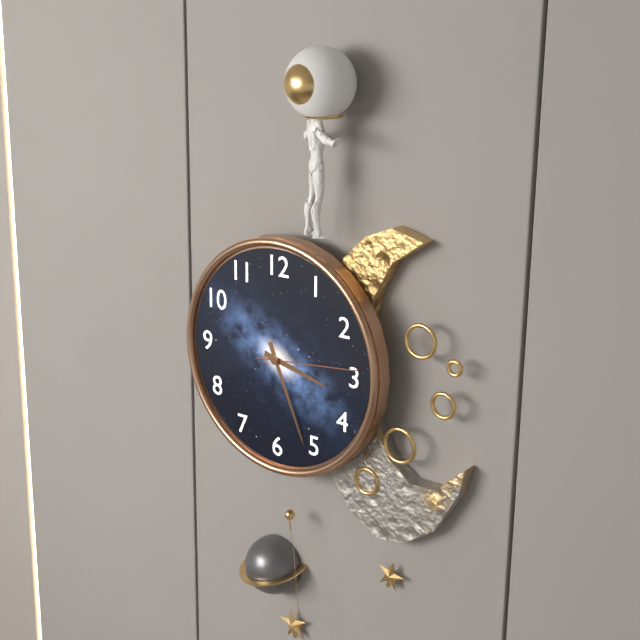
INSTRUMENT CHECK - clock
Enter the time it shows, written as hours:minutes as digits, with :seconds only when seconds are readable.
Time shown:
3:26:14
